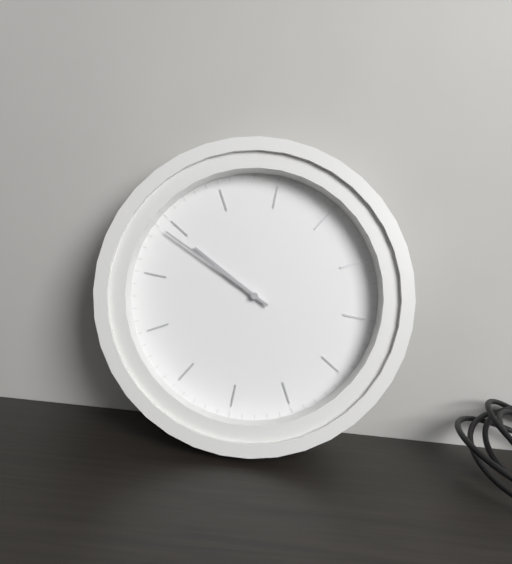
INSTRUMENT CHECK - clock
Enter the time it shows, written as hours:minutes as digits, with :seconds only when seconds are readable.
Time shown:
10:54
